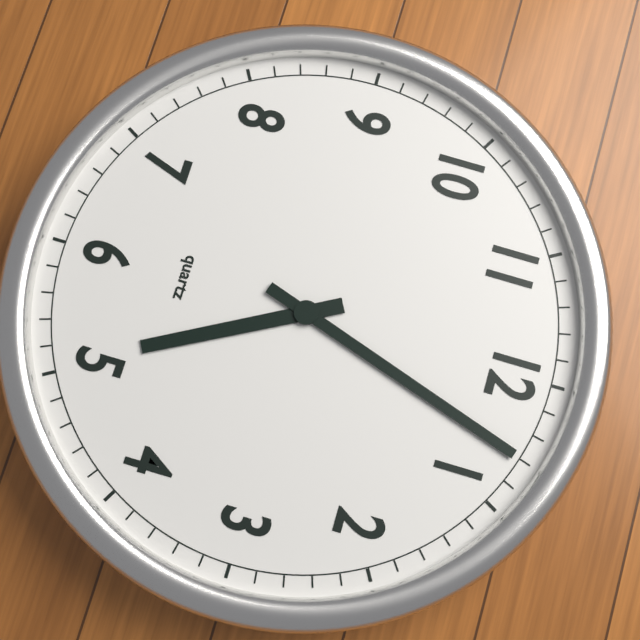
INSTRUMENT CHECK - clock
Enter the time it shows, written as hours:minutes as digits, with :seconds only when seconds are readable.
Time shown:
5:03
